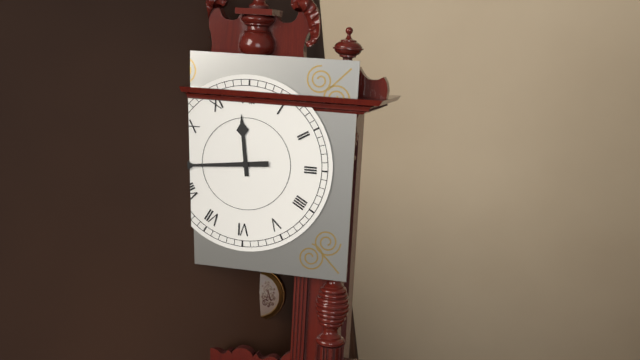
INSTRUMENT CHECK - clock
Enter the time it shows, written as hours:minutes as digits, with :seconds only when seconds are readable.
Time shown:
11:44
